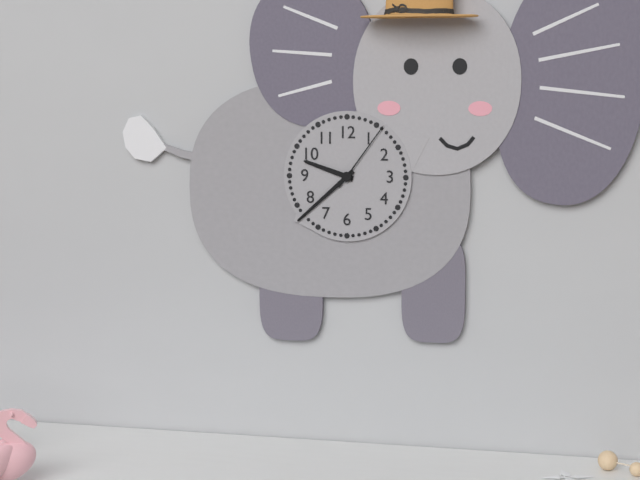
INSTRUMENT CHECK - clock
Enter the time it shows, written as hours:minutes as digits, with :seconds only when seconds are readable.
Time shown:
9:38:06
